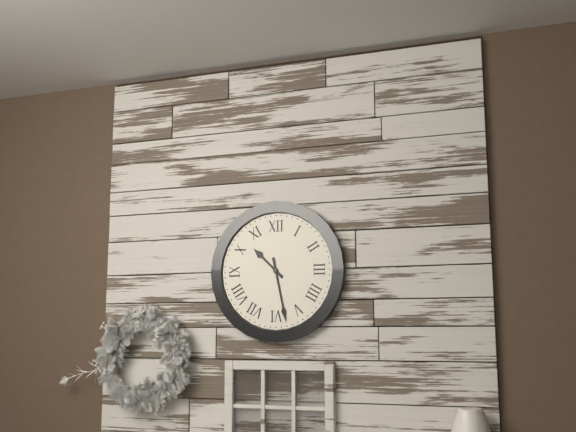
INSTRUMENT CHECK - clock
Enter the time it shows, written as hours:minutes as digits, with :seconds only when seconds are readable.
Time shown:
10:28
